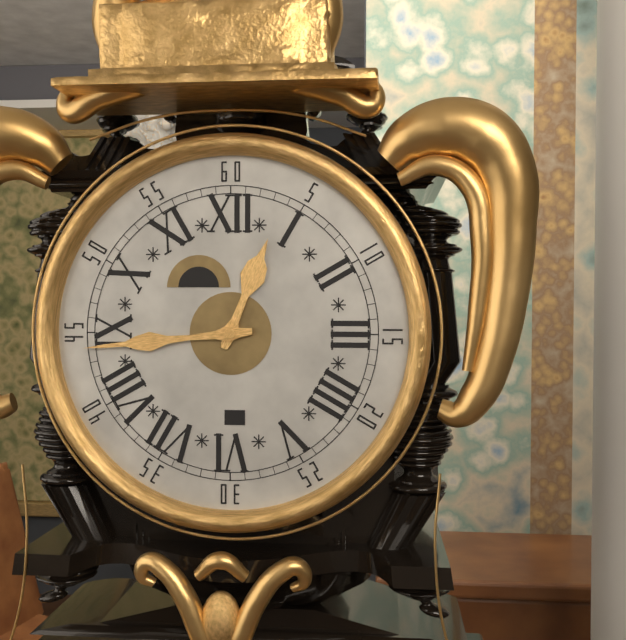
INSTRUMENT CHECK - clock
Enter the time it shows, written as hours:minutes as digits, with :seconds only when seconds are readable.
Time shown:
12:44
